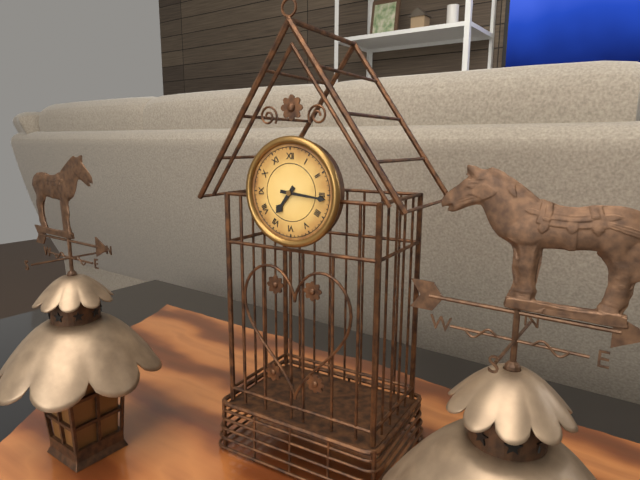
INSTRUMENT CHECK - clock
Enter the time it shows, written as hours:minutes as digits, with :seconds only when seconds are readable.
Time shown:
7:16
